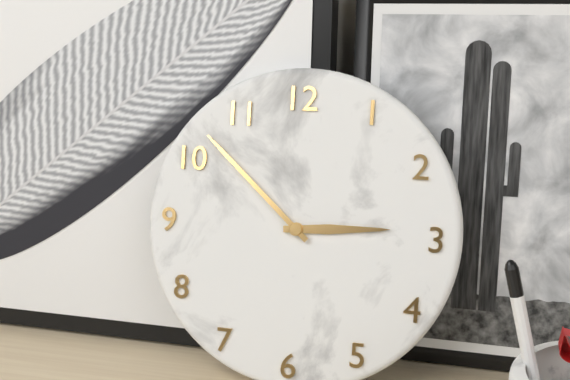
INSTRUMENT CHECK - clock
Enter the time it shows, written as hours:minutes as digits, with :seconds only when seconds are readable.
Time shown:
2:52
